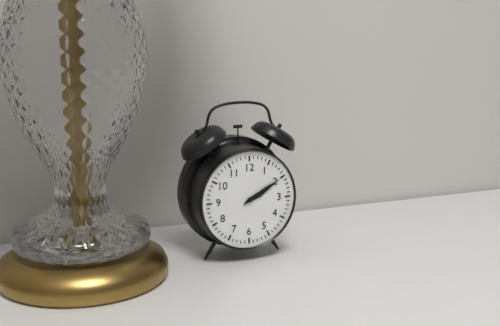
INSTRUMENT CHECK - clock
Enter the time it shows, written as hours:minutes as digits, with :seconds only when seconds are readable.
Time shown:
2:10
